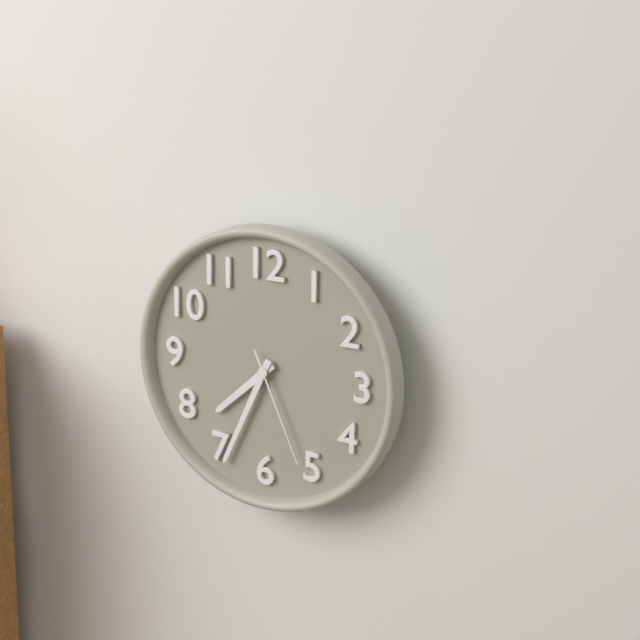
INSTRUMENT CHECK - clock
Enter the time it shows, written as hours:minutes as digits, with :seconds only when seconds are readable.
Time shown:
7:34:26
